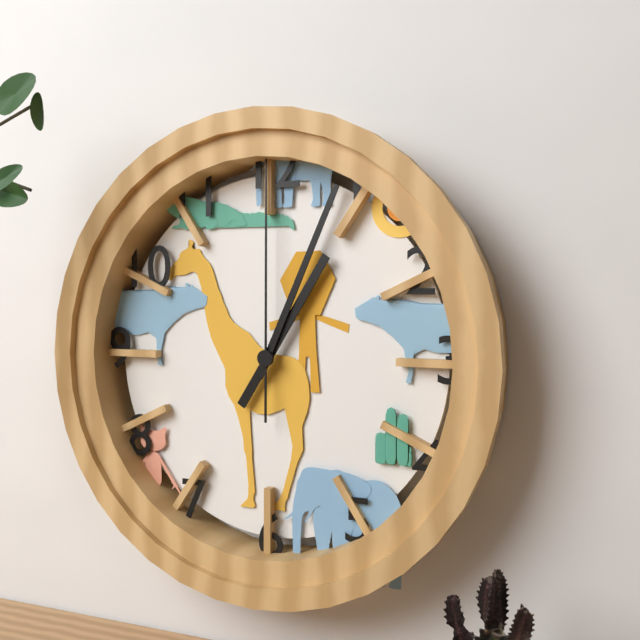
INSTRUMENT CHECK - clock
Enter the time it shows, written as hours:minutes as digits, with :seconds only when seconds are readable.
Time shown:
1:04:00
